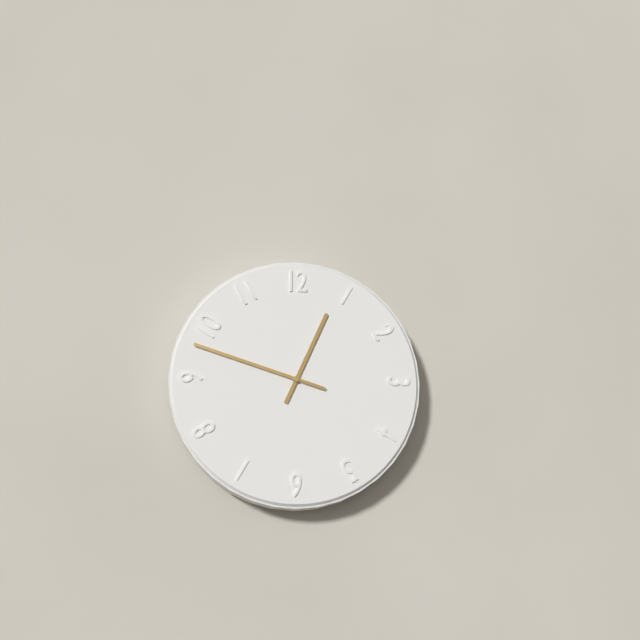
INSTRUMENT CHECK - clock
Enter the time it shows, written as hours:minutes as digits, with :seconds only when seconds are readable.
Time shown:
12:48
